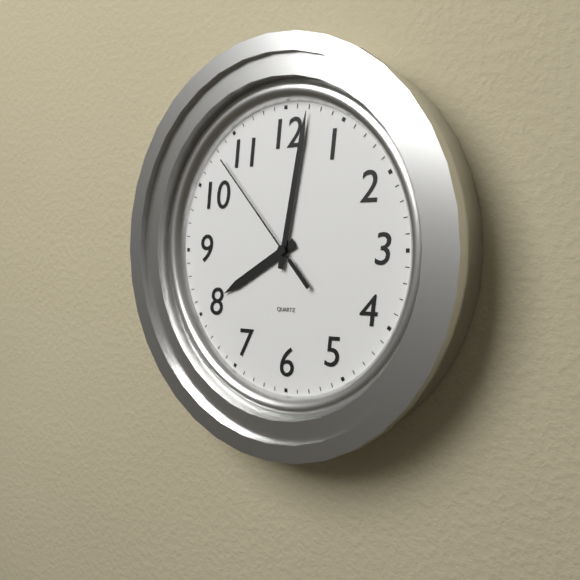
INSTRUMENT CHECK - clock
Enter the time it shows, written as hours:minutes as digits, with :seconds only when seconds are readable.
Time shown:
8:02:53
